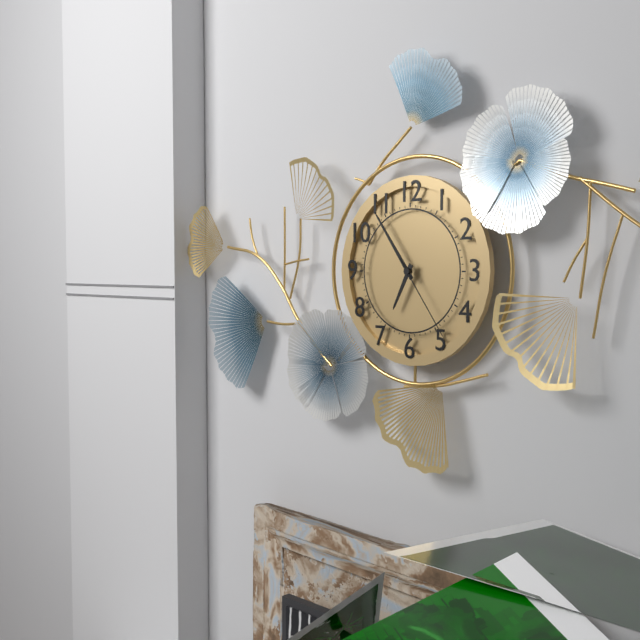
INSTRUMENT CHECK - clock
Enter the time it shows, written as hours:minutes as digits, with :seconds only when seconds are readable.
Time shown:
6:54:24
